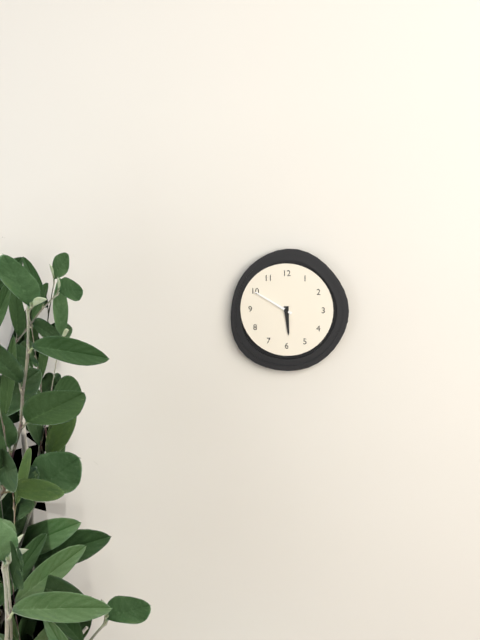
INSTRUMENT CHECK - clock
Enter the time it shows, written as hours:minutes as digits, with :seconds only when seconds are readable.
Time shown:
5:50
